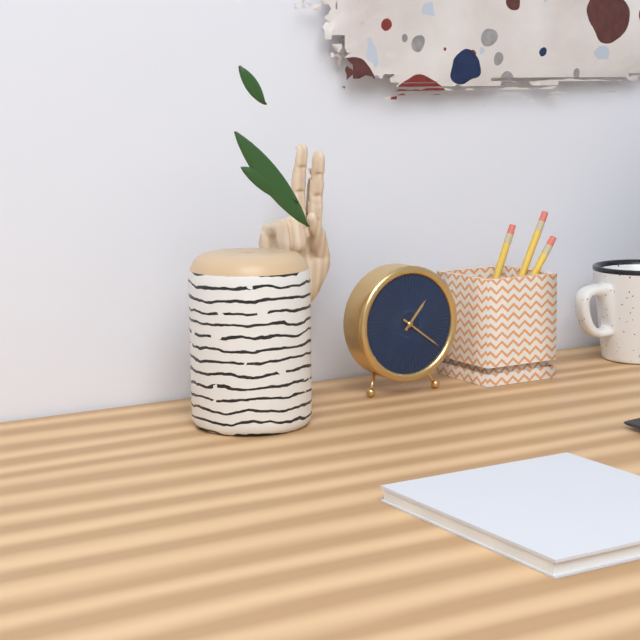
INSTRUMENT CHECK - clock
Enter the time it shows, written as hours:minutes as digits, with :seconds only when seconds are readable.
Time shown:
1:21
